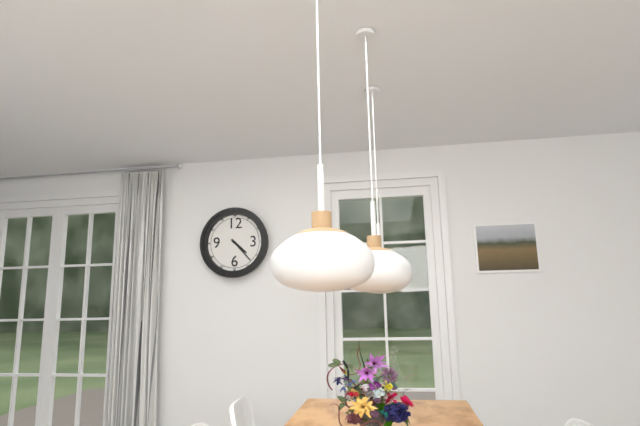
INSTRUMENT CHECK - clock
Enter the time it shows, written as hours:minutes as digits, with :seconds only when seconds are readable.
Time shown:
4:23
